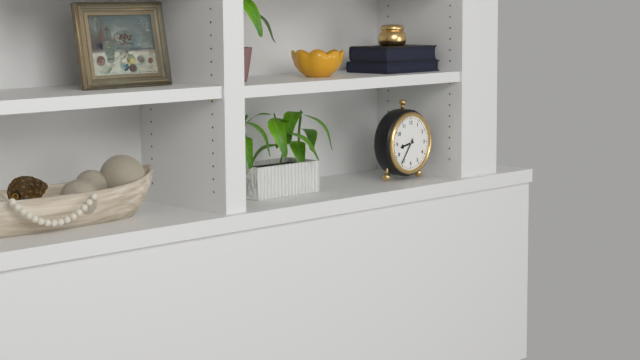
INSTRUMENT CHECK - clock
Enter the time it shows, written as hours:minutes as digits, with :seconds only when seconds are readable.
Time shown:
8:36
